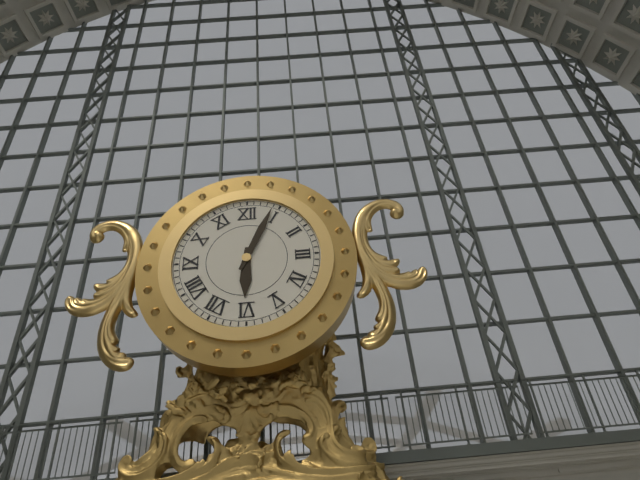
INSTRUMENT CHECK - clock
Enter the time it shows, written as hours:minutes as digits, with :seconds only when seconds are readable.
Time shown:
6:04
